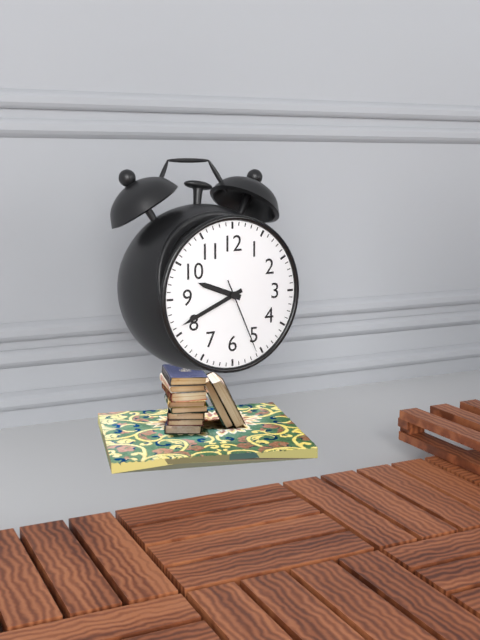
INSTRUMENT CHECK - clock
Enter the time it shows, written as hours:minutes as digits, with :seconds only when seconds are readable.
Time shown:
9:41:26
